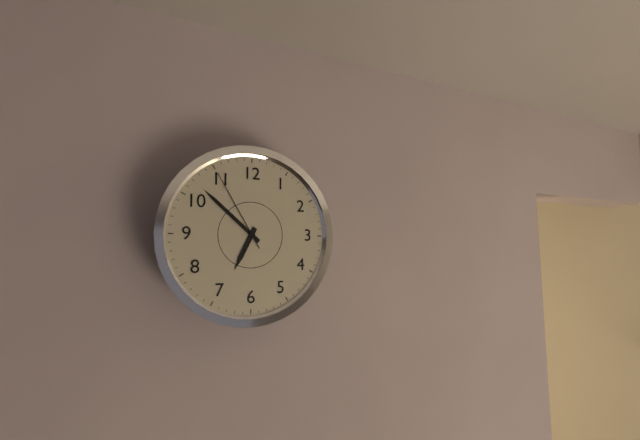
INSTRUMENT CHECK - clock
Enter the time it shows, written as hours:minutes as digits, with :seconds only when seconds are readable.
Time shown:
6:52:55
